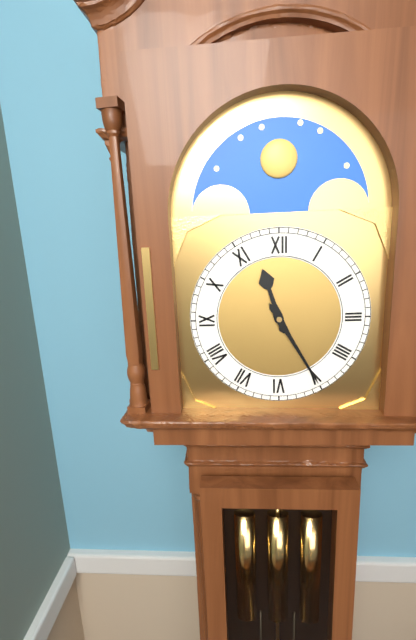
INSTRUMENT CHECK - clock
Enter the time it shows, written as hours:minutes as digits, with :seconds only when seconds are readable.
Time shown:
11:25
